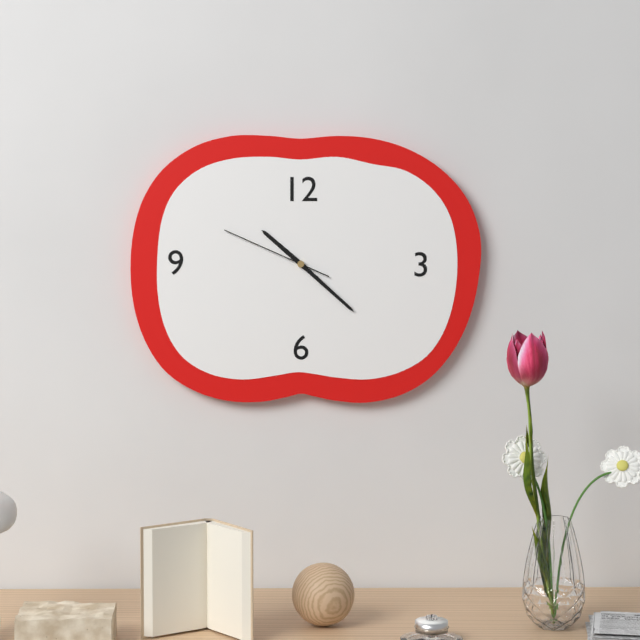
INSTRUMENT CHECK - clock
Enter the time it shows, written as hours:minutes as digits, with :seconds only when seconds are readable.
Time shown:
10:22:49
